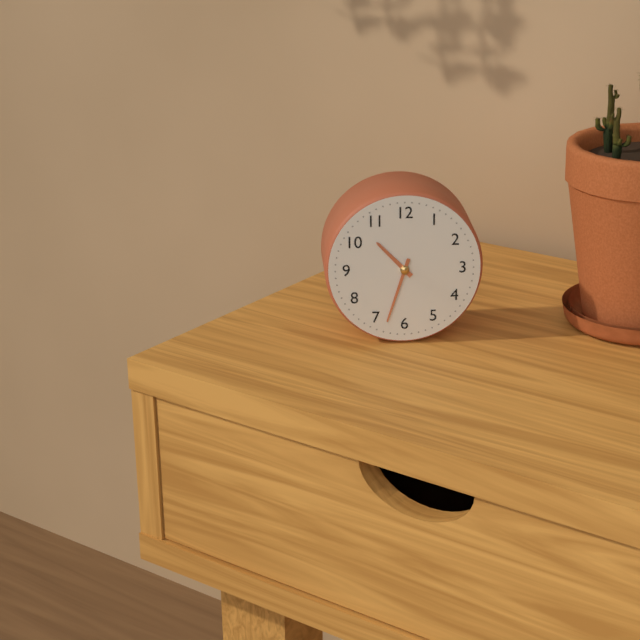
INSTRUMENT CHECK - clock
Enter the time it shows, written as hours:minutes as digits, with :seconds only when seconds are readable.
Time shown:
10:33
